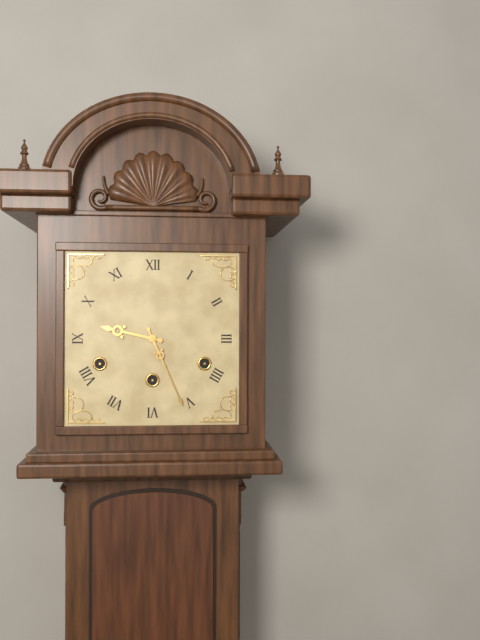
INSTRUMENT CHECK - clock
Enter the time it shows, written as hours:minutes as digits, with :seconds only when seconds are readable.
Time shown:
9:26
